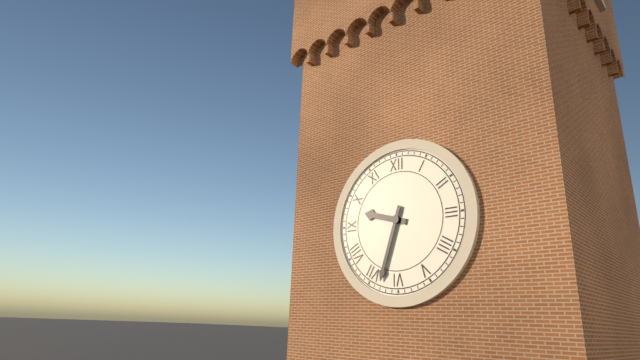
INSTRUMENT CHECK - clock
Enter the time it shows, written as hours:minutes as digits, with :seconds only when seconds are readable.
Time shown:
9:33
